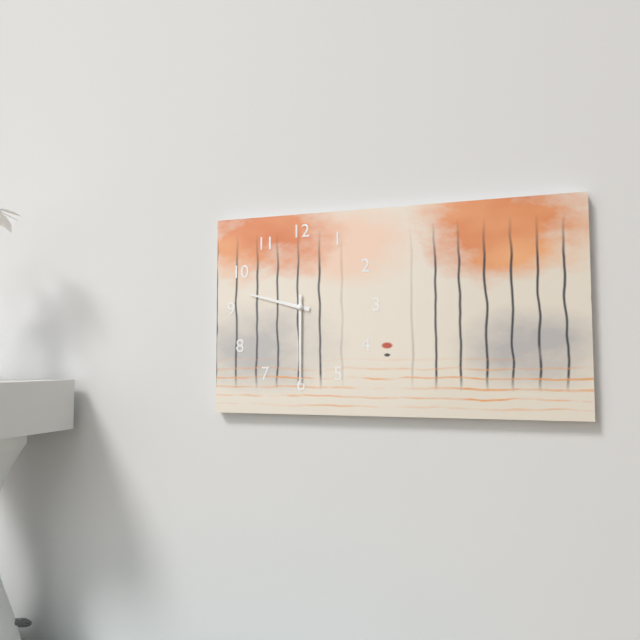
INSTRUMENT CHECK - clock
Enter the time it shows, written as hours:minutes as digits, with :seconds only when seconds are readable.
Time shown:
9:30
